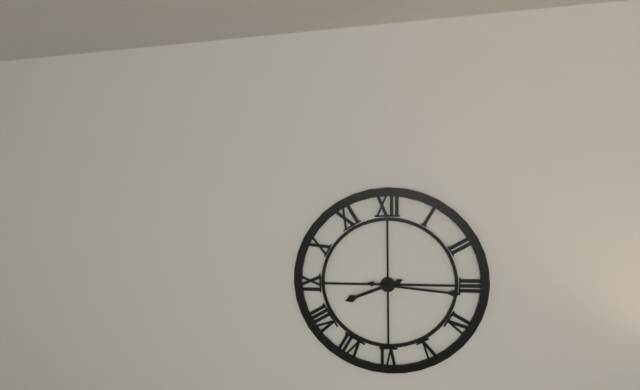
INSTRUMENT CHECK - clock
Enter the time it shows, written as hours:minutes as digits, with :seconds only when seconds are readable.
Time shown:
8:16
